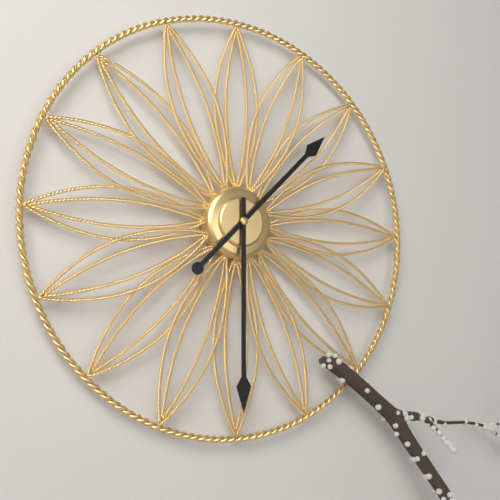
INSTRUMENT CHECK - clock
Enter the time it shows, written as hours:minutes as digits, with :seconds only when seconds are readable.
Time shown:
1:30
